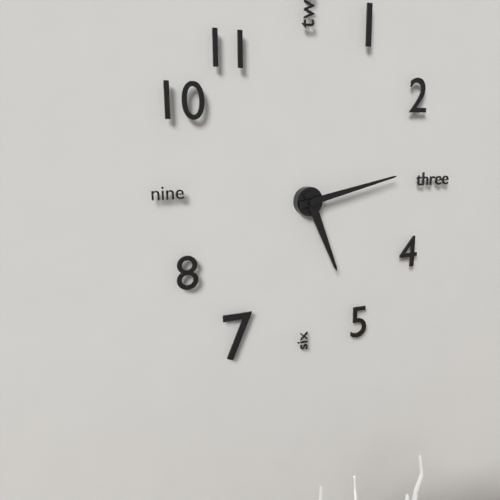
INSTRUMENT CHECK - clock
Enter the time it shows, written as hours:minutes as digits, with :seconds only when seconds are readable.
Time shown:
5:13
